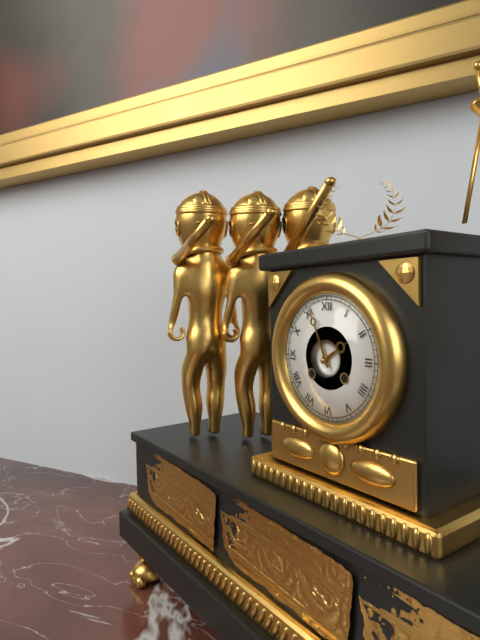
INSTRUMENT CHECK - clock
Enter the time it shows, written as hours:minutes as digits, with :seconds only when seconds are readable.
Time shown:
1:56
